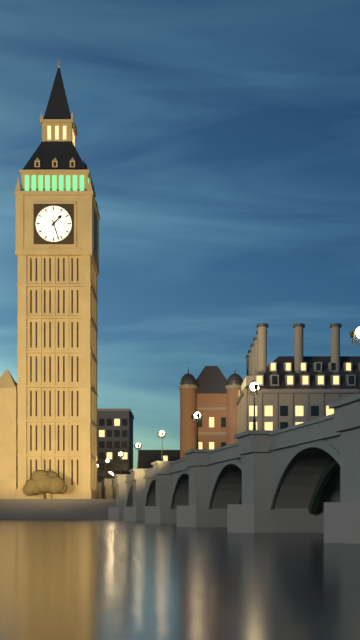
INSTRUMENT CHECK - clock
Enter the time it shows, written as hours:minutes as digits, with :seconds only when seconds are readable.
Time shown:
1:27
